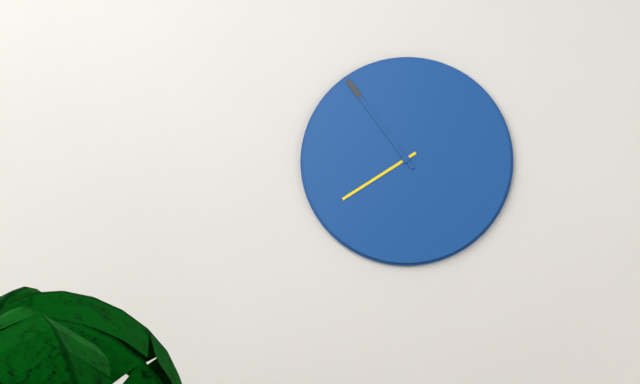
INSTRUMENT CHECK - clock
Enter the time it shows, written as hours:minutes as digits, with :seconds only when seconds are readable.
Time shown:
7:54
